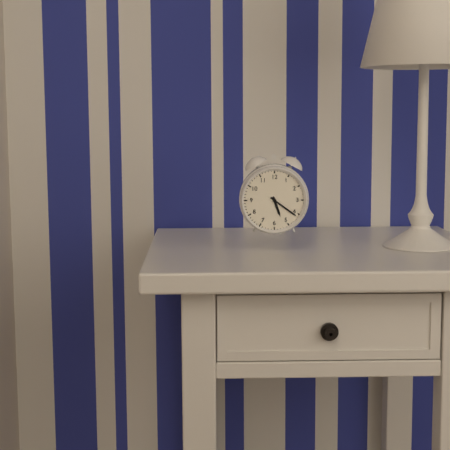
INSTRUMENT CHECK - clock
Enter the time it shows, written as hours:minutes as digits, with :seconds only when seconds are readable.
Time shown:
5:21
